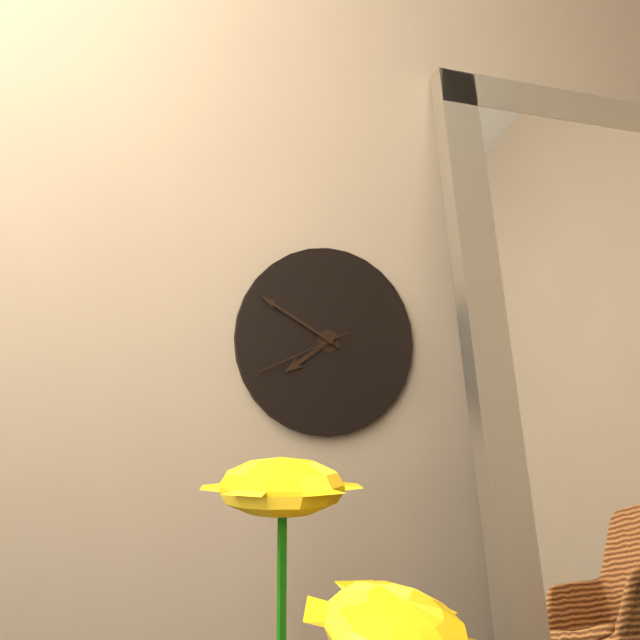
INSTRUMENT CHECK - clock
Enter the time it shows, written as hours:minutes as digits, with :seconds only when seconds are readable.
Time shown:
7:50:41
